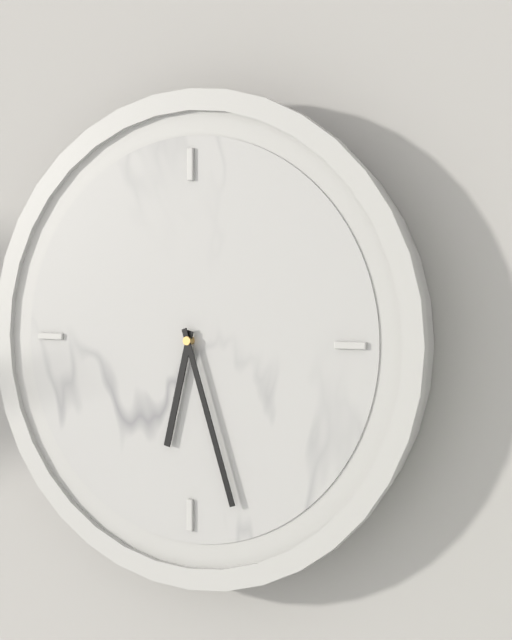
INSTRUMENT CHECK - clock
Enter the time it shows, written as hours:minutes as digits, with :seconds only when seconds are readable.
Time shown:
6:27
